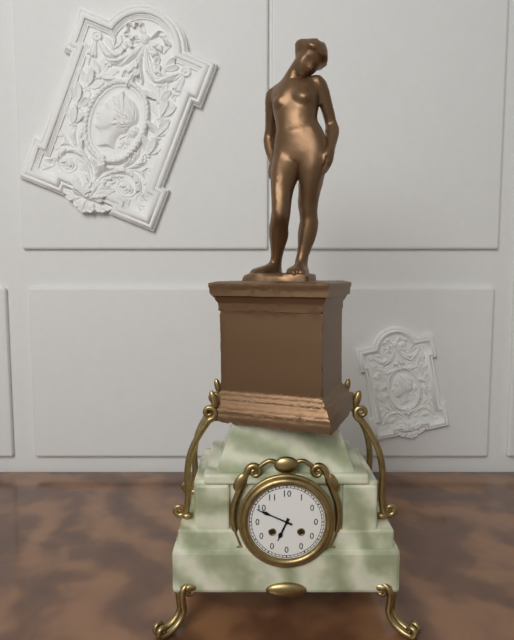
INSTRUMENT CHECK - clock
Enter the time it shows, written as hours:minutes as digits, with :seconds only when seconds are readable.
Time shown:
6:49
